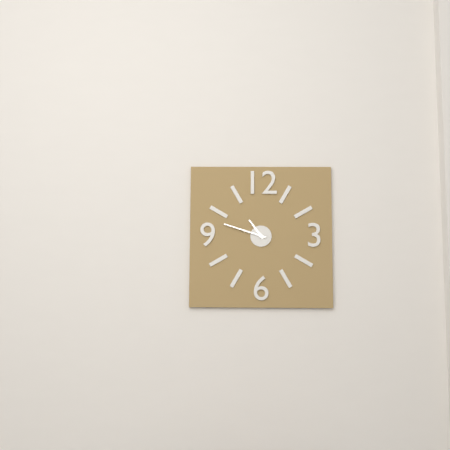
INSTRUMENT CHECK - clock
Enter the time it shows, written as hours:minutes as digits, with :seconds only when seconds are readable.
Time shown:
10:48
